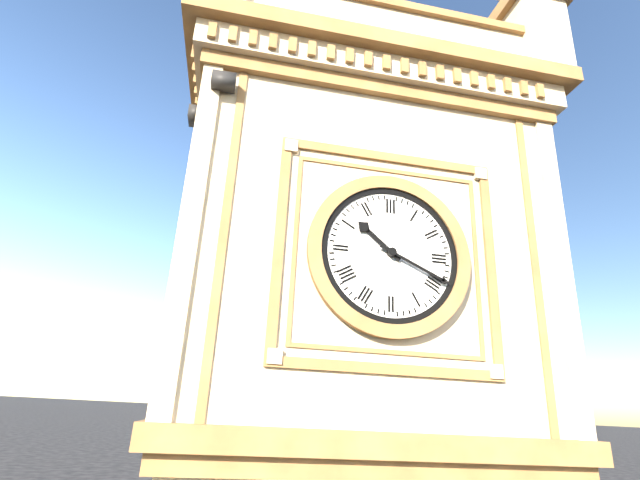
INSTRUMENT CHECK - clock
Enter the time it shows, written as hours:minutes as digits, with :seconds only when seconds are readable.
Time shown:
10:19
